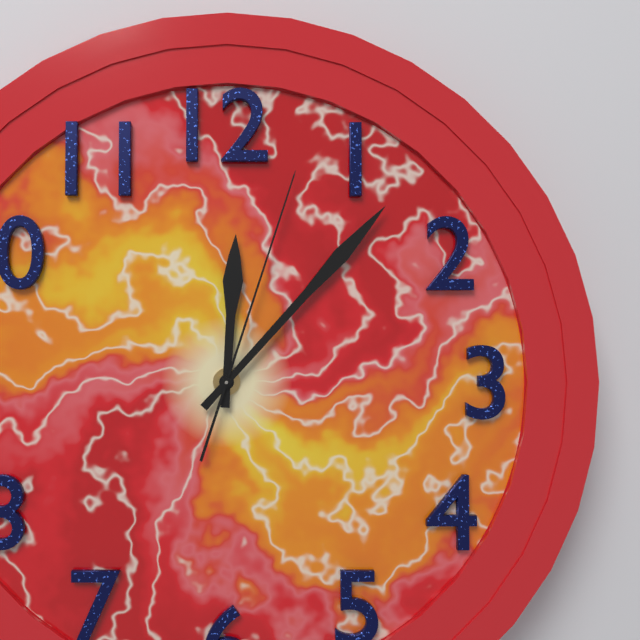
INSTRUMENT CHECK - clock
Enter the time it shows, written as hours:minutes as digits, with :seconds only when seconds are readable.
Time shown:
12:07:03
